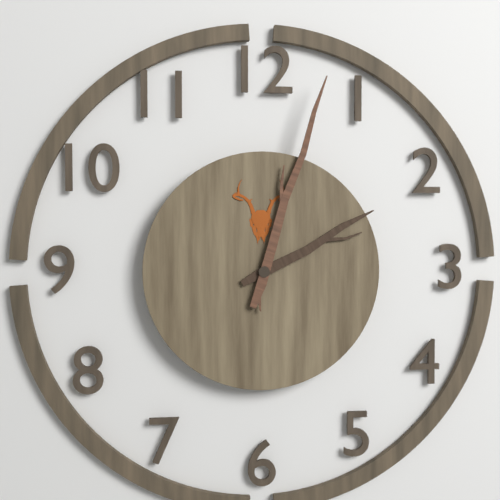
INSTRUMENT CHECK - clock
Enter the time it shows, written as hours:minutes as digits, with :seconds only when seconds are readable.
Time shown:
2:03
